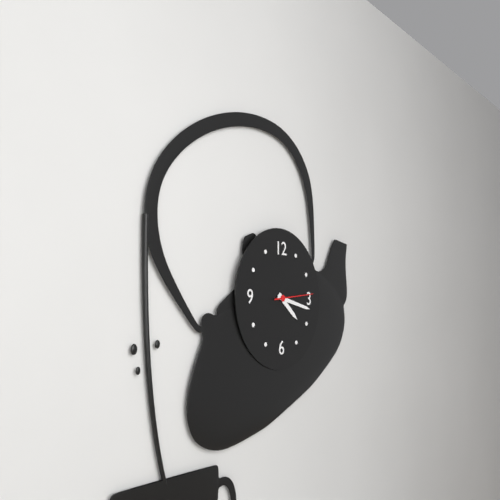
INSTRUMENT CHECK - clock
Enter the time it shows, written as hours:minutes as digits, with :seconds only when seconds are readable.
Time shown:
4:17
